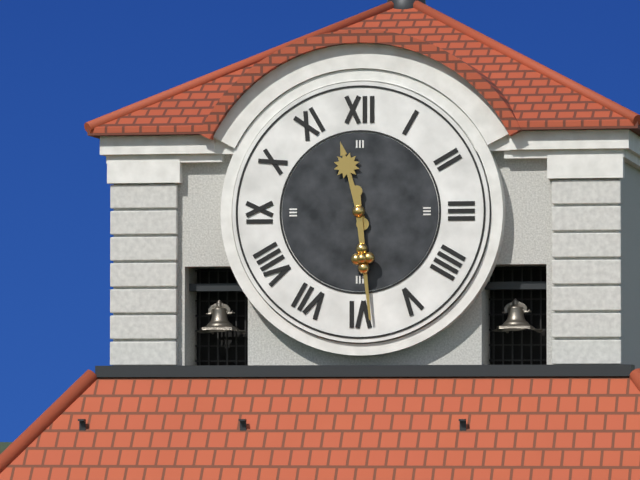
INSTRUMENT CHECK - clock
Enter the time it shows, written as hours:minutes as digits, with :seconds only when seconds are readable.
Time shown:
11:29
